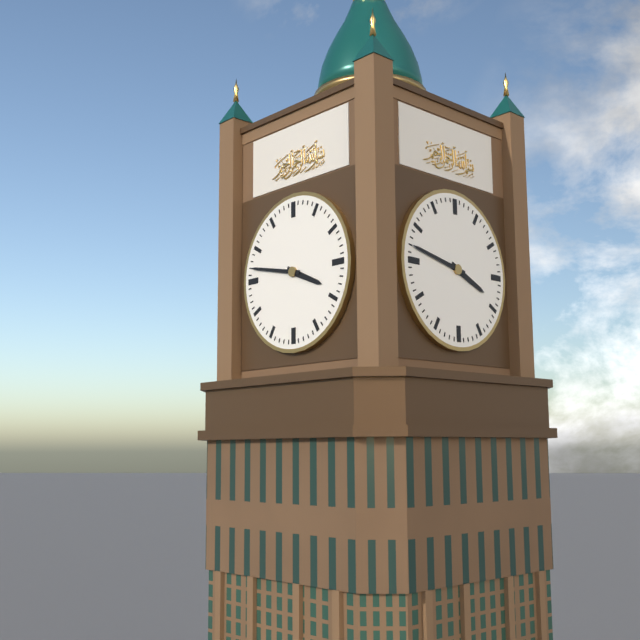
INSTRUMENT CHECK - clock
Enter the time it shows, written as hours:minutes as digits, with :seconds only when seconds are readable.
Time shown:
3:47
